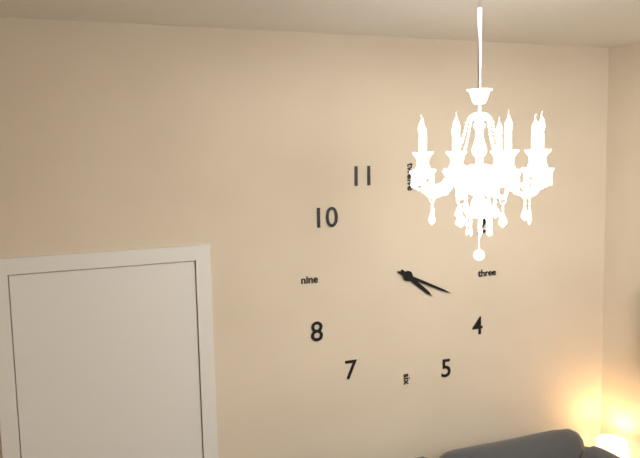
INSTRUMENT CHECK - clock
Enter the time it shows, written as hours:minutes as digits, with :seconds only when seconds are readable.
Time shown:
4:19
